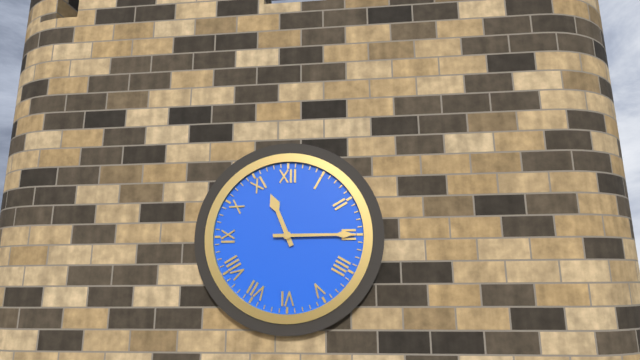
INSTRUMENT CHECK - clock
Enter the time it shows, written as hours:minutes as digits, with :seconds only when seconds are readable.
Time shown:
11:15
